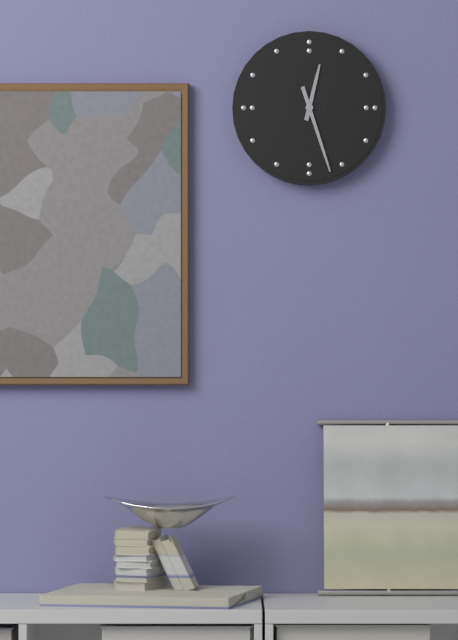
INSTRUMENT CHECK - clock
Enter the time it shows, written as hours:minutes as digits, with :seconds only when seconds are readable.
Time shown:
12:27
